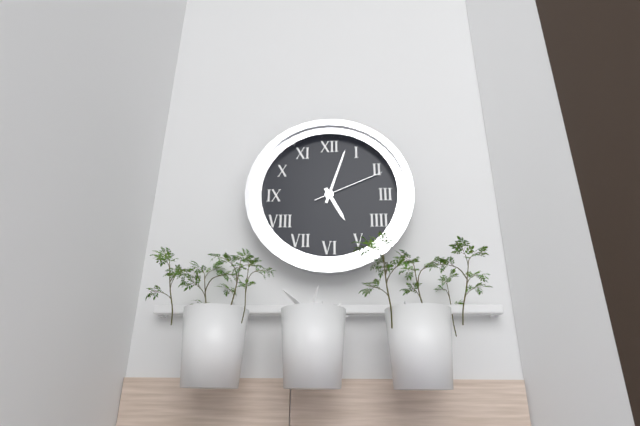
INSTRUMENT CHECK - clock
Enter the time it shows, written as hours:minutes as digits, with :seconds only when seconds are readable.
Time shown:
5:03:11
